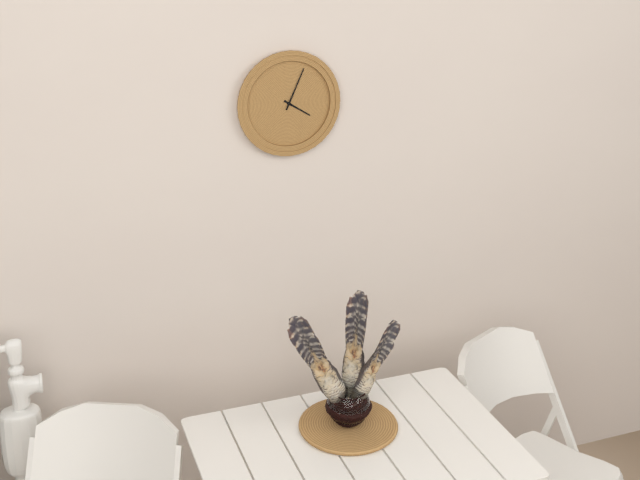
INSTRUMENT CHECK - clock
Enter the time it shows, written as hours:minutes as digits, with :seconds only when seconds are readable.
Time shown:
4:04
